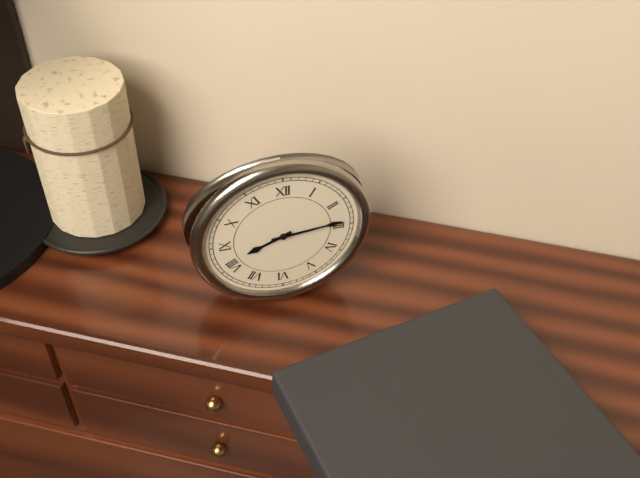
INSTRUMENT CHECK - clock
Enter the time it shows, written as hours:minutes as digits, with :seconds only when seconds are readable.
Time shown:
8:14
